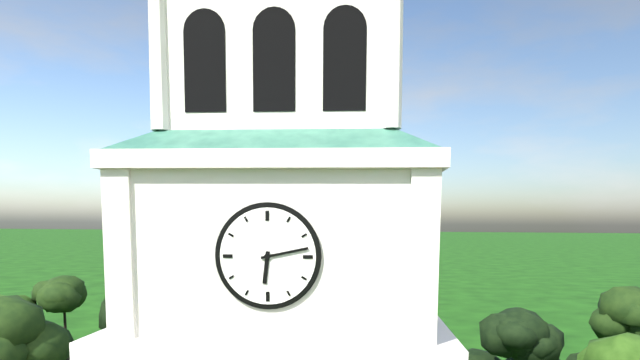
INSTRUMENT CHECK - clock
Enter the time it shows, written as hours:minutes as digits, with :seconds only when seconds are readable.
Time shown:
6:13
